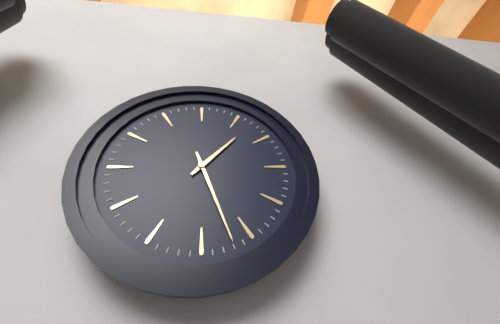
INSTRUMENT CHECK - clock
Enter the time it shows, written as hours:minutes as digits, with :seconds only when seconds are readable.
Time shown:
1:27
